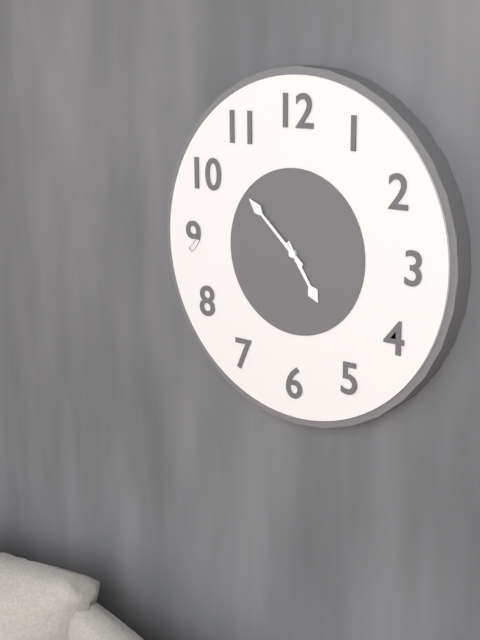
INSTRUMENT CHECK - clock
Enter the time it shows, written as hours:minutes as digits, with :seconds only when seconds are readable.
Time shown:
4:52
